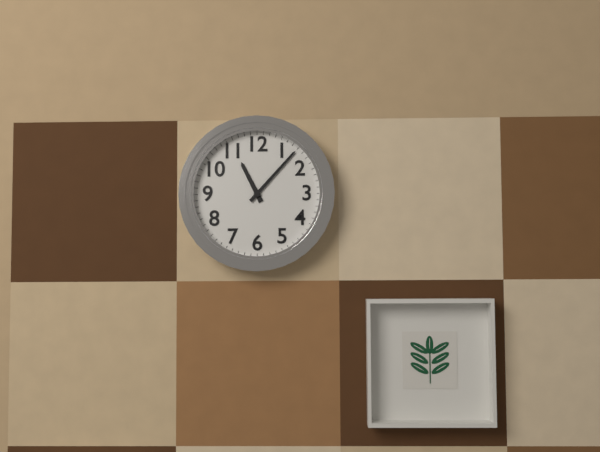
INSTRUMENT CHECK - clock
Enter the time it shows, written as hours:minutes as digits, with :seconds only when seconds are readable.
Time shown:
11:07
